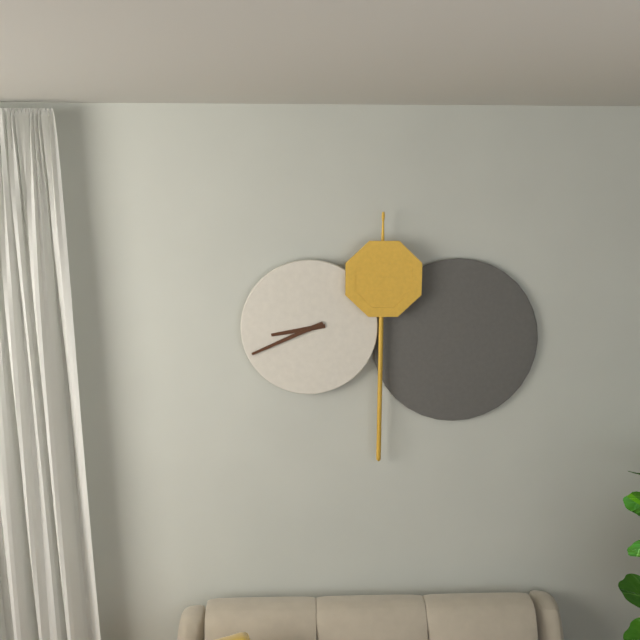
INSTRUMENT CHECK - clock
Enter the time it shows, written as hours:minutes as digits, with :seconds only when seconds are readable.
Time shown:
8:41
